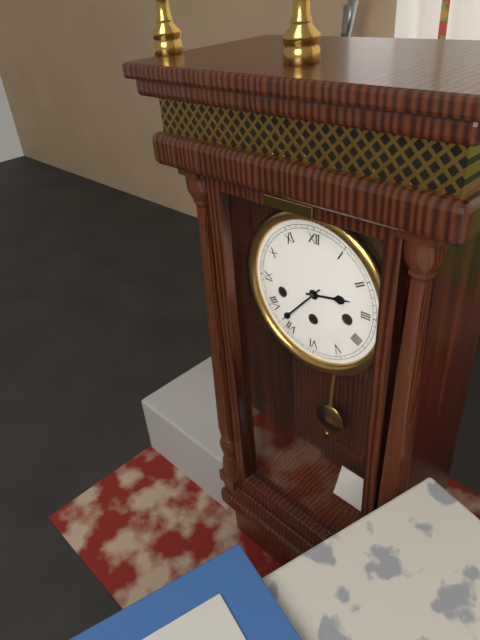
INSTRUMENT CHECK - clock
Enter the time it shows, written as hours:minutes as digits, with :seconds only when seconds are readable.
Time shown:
2:37
